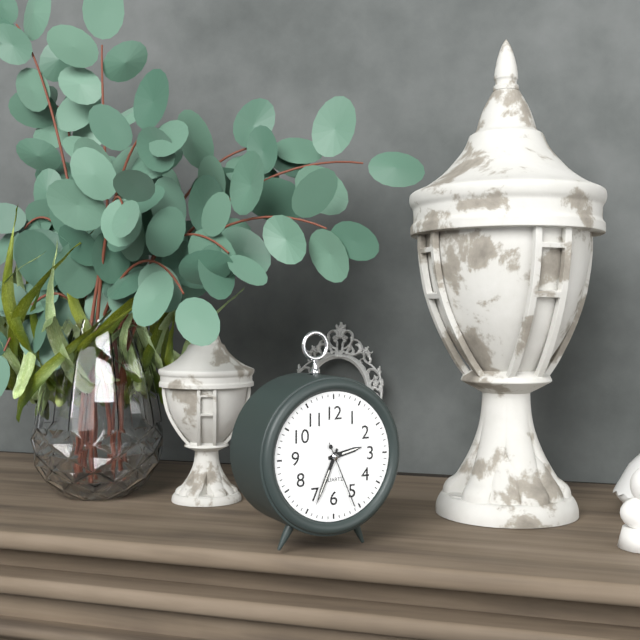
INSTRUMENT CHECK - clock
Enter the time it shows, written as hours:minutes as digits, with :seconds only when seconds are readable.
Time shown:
2:34:26
